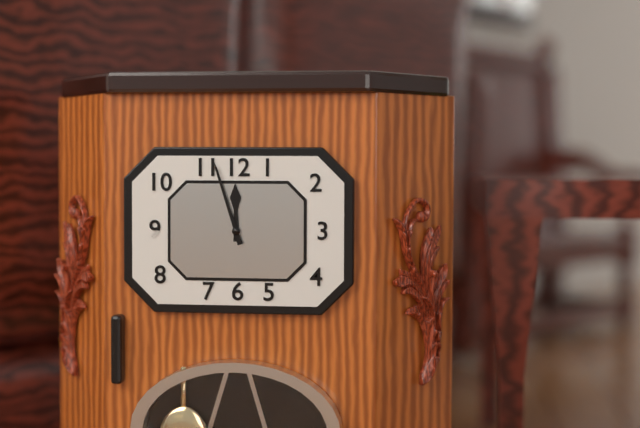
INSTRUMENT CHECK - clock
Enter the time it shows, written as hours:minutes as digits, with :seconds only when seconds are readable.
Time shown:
11:57
